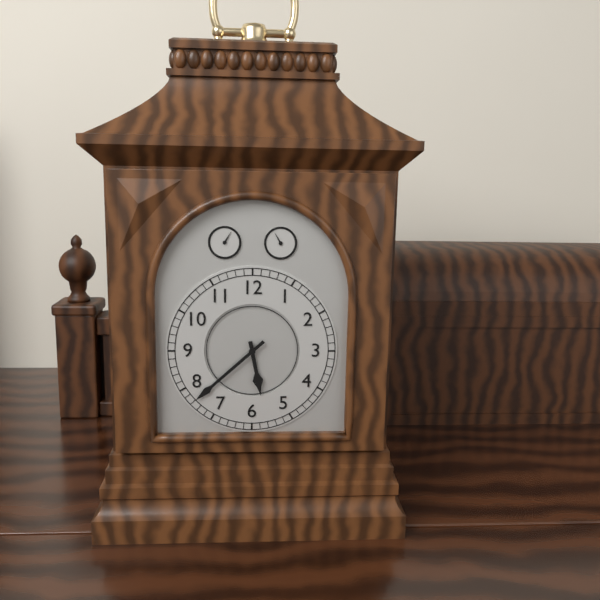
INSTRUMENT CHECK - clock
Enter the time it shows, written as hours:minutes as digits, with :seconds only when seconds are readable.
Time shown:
5:38
